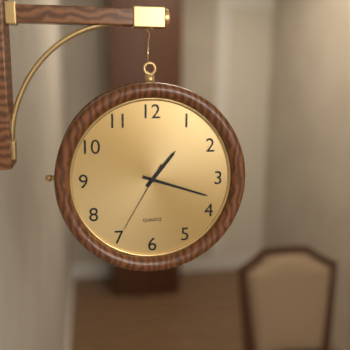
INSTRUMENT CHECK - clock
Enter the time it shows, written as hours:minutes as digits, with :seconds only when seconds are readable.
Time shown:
1:18:35
